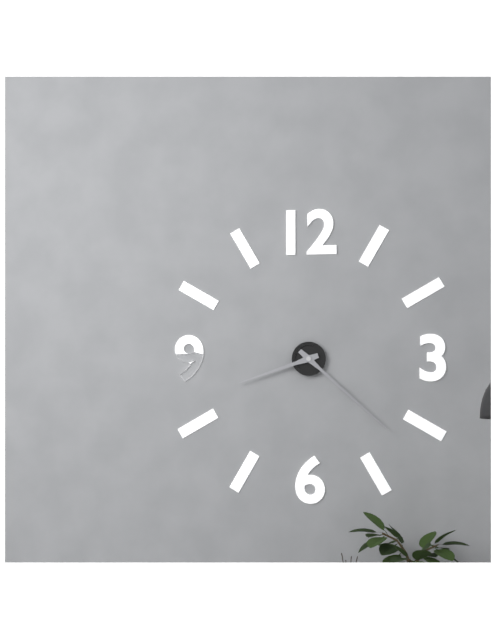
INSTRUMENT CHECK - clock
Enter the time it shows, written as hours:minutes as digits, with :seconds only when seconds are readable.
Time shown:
8:22
